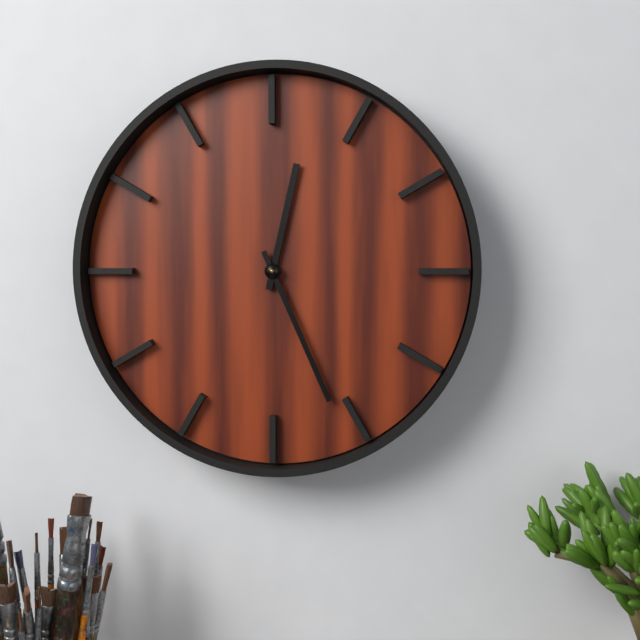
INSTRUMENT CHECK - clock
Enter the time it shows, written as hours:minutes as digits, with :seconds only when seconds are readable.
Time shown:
12:26
